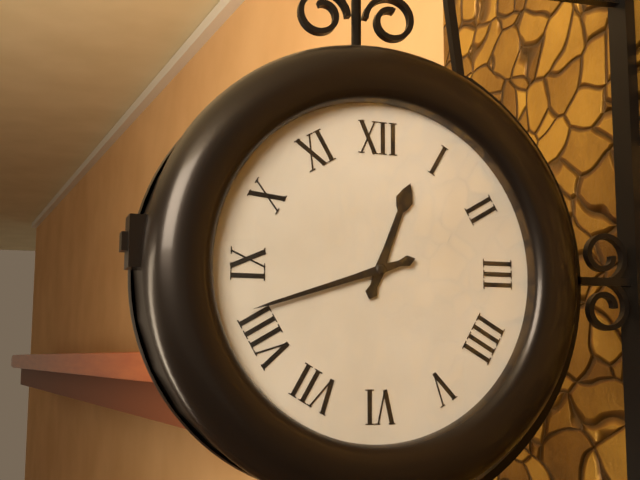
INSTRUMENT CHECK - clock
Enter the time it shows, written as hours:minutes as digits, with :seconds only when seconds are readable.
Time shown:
12:42
